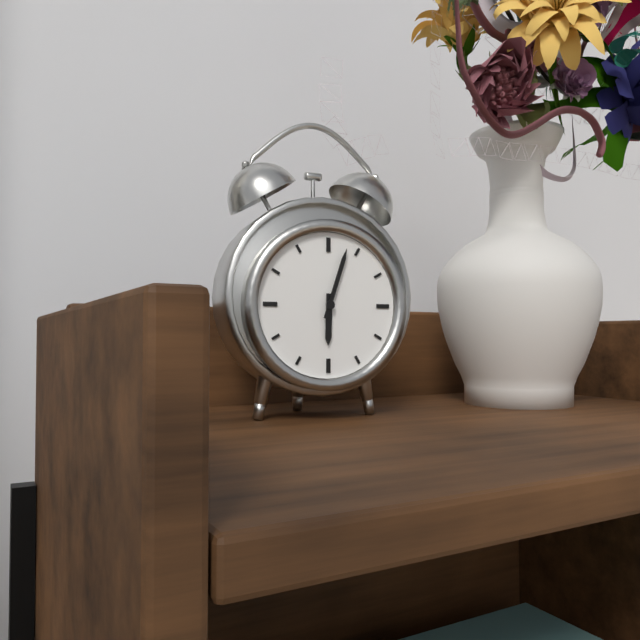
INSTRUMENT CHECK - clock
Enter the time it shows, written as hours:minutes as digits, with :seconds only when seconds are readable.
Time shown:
6:03
